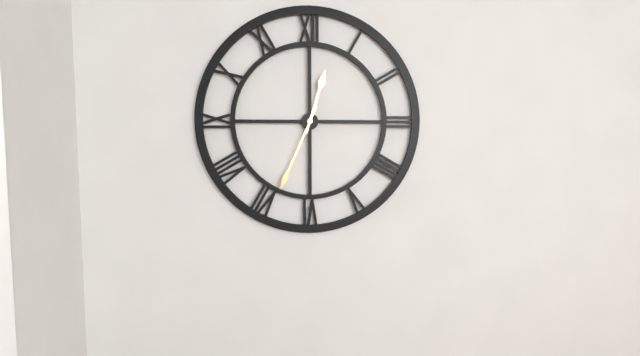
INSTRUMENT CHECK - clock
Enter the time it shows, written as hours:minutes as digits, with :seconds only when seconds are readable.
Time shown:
12:34
